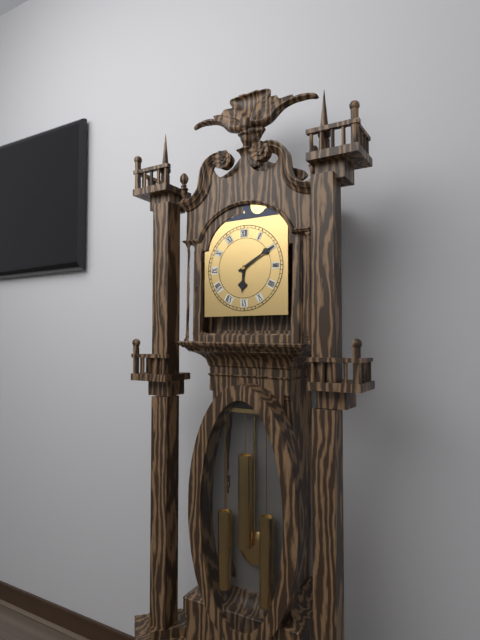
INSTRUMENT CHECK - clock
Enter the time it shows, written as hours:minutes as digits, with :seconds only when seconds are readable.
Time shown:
6:10
